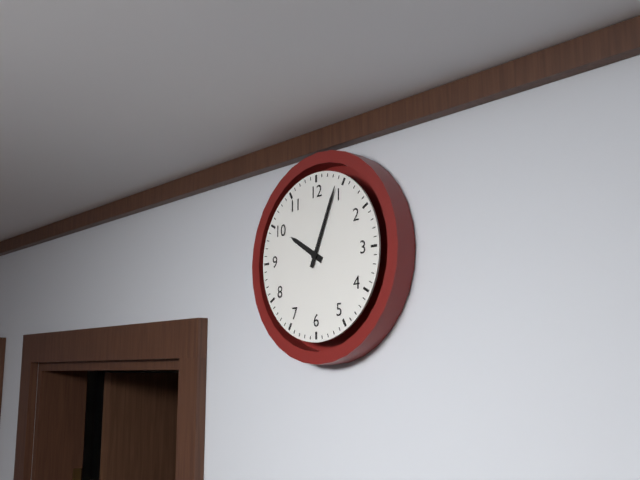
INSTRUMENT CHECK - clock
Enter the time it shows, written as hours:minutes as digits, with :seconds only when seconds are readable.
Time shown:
10:04
